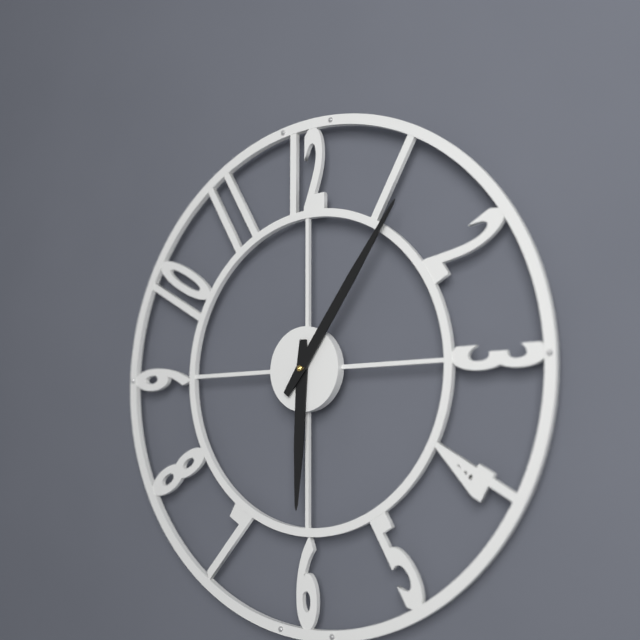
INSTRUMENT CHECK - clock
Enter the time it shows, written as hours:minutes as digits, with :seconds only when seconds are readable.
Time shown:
6:06
